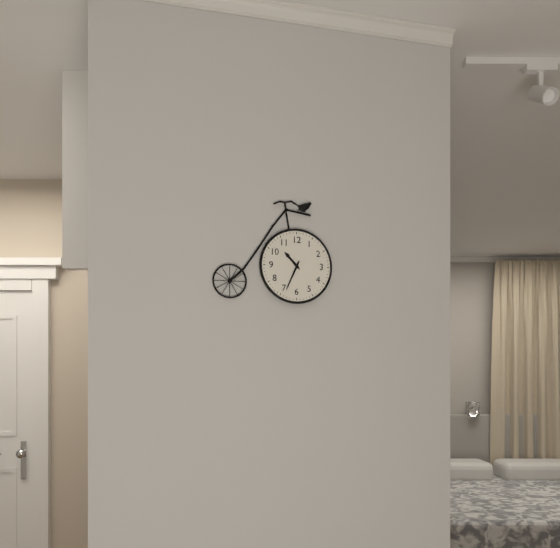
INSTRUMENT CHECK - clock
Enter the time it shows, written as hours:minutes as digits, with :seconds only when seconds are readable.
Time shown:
10:34
